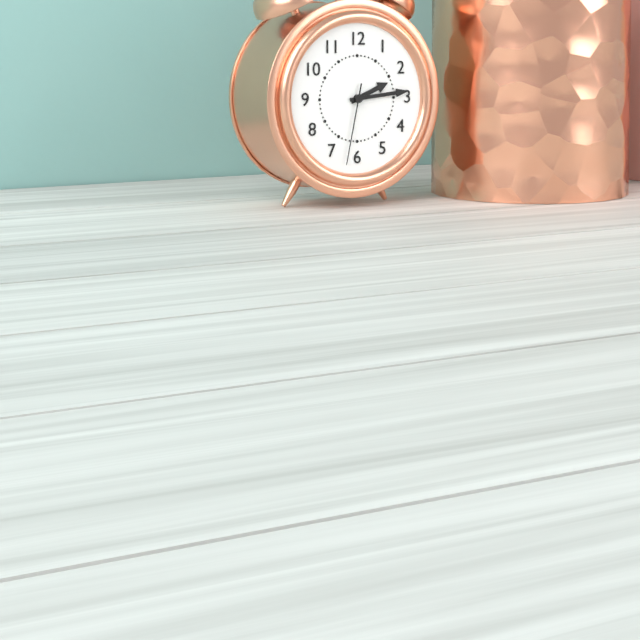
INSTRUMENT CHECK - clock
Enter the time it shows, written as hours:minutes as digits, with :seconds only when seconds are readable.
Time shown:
2:14:32
